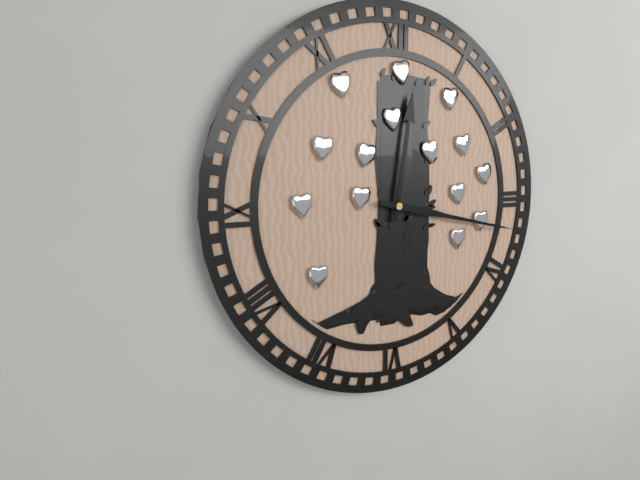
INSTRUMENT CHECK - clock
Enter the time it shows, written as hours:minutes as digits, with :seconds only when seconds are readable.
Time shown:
12:17
